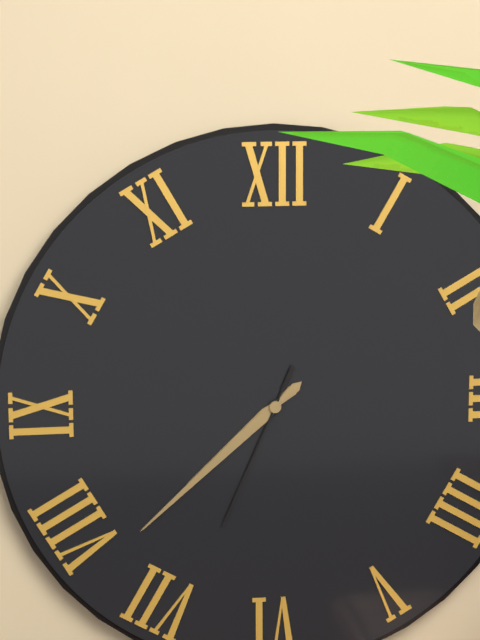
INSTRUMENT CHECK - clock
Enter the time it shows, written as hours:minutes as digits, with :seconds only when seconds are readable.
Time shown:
7:38:34
